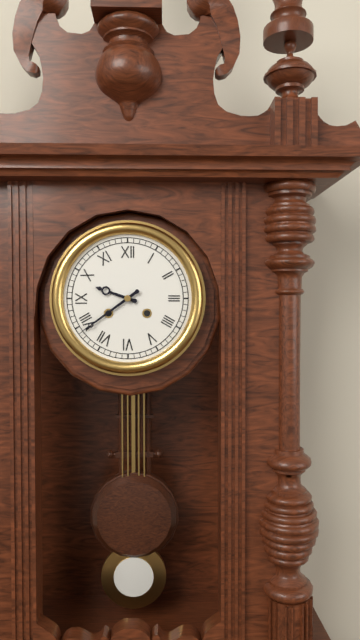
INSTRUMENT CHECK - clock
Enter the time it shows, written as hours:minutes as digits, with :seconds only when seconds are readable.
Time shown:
9:39
